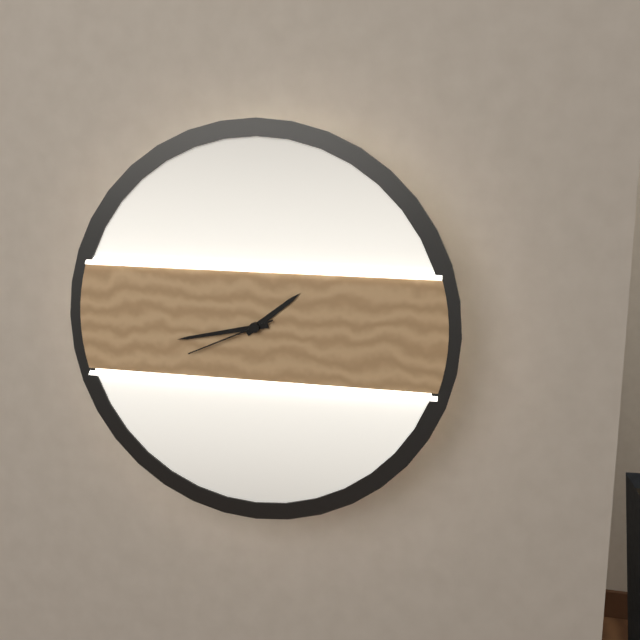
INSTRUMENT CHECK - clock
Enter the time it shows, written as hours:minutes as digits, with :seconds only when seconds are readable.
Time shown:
1:43:41
